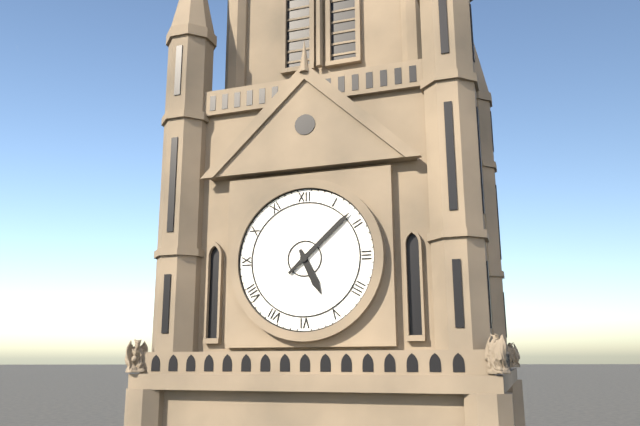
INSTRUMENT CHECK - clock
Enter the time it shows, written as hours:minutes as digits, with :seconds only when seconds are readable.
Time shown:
5:08
